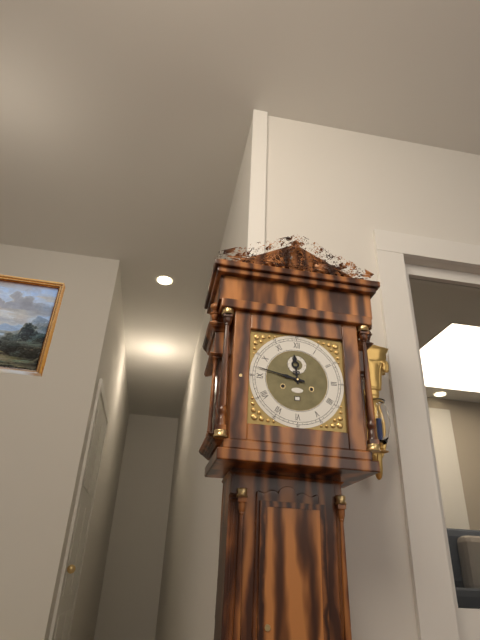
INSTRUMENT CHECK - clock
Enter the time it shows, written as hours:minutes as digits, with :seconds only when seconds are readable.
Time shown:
11:47
